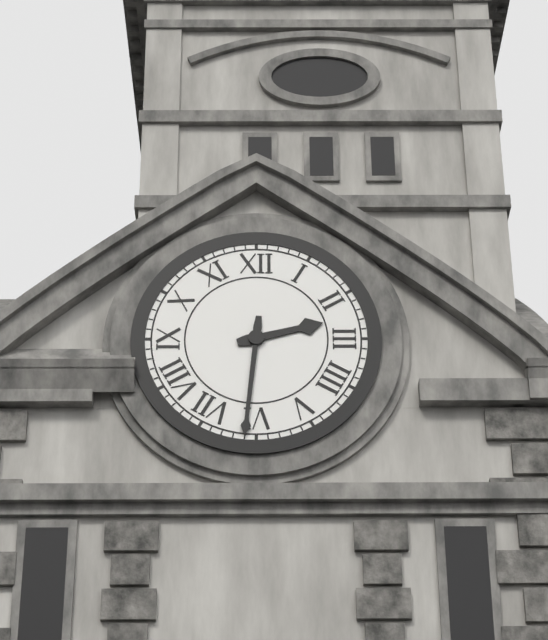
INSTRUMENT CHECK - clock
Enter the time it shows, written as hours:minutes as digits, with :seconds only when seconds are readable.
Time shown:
2:31
